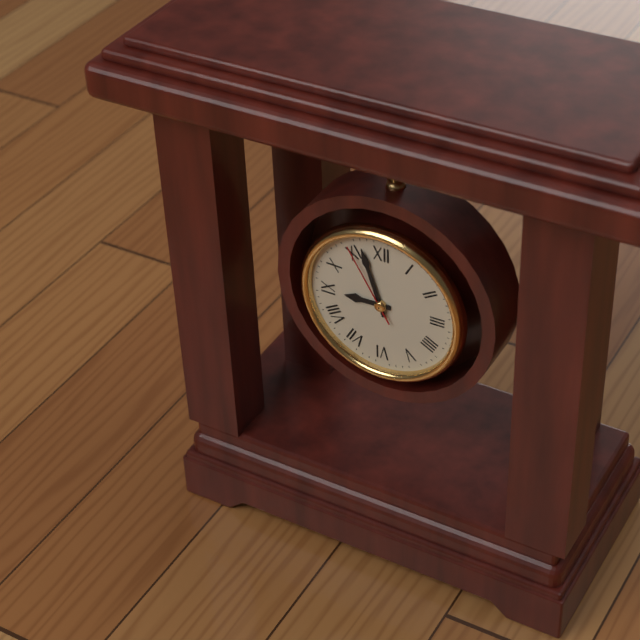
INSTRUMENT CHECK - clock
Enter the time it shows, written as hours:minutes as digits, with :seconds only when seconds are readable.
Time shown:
8:57:55
